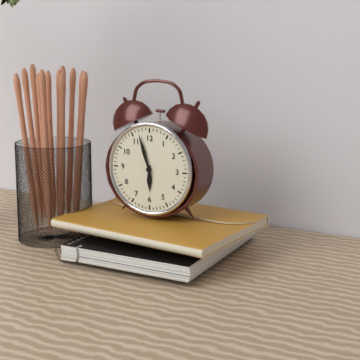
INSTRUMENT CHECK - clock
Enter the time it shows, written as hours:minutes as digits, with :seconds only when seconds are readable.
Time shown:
5:57
